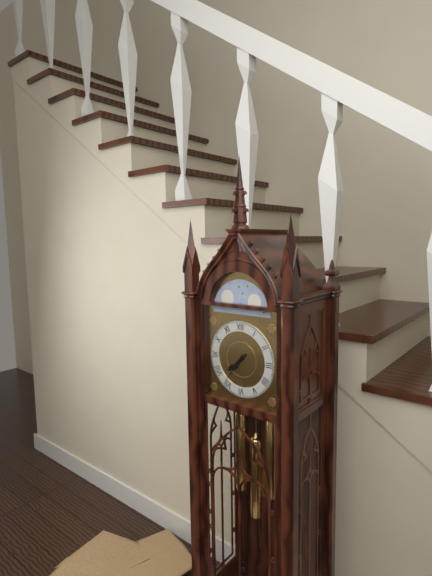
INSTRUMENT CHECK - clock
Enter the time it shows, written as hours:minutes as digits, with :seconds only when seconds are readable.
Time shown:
7:36
